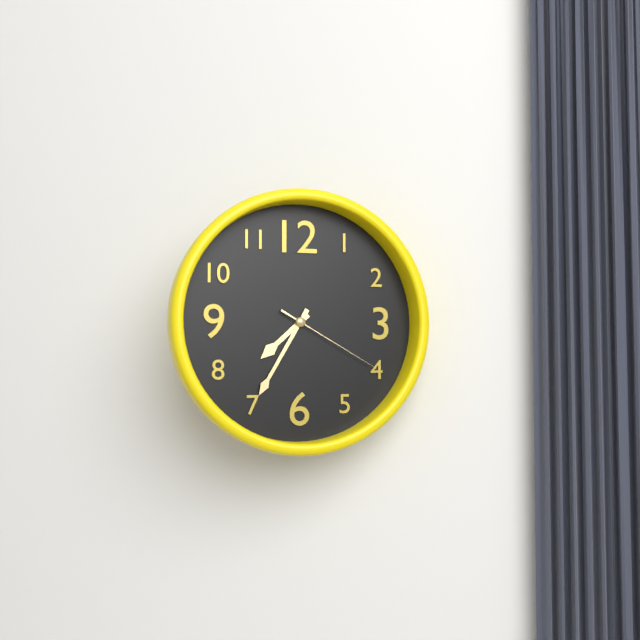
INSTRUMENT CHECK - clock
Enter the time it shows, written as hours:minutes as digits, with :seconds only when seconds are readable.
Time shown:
7:35:20
